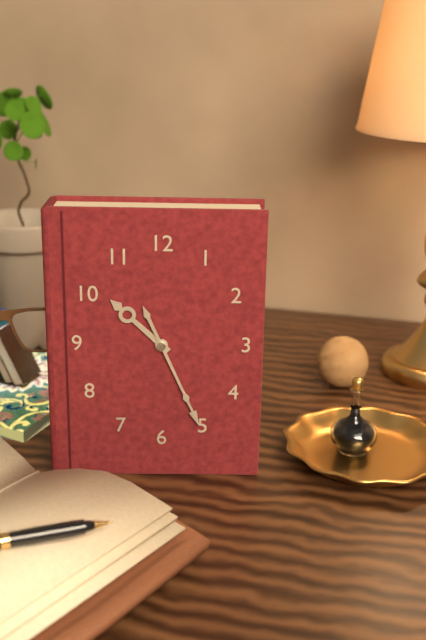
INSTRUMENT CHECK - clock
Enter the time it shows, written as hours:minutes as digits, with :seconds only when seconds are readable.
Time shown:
10:26
